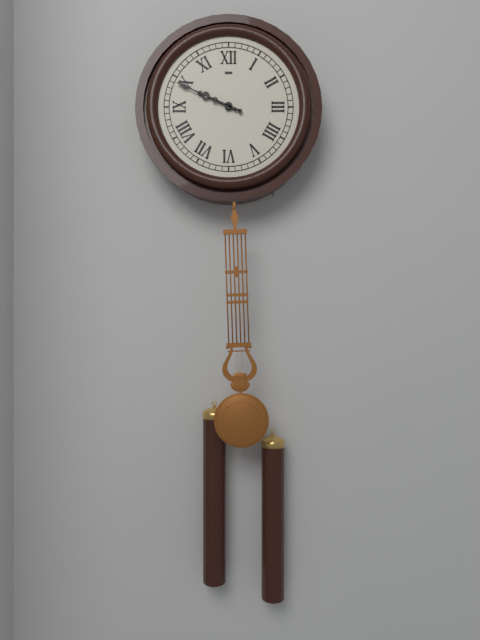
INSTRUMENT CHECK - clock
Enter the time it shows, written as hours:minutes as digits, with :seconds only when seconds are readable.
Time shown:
9:49
